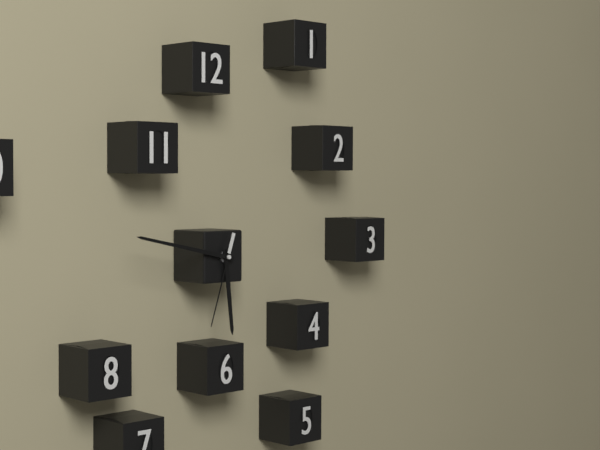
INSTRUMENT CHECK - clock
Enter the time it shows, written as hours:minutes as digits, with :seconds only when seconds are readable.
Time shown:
5:47:33
